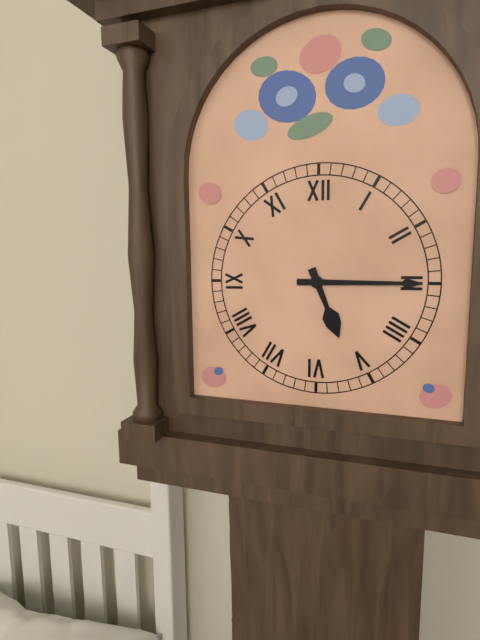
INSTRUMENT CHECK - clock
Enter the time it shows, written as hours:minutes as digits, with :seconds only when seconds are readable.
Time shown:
5:15
